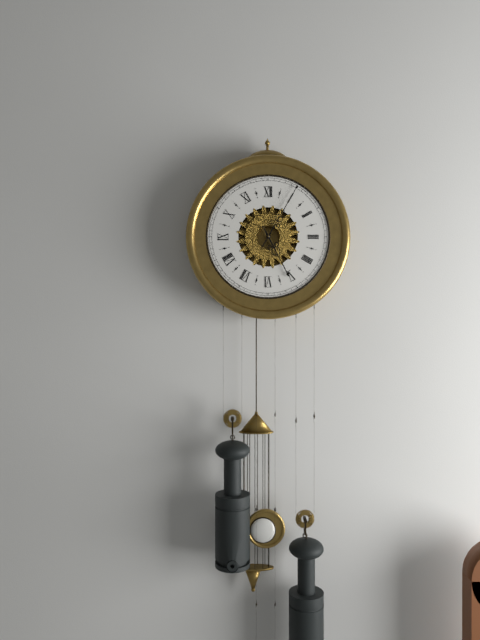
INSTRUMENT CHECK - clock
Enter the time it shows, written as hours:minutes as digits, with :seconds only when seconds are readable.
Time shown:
5:05
